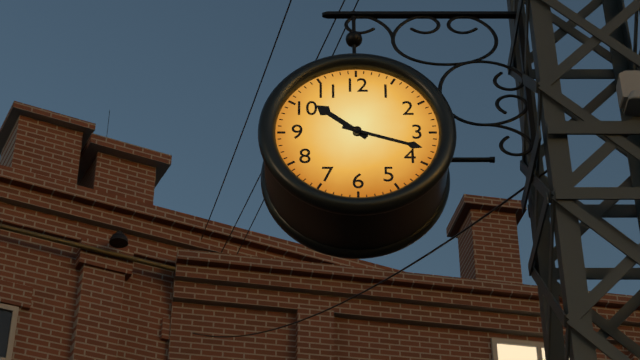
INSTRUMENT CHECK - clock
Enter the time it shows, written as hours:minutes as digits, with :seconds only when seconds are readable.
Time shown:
10:18
